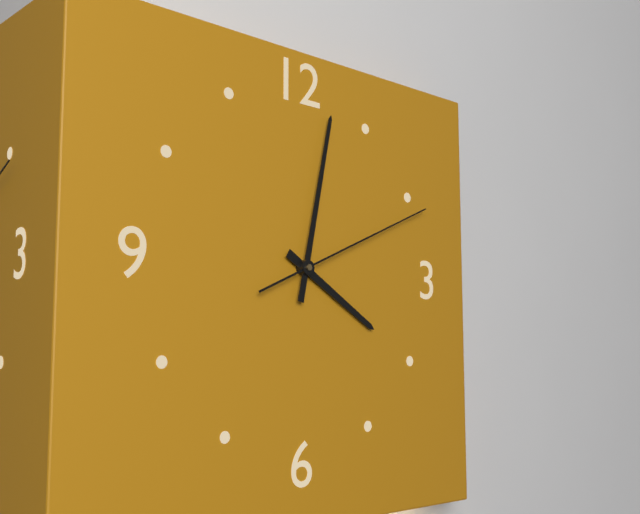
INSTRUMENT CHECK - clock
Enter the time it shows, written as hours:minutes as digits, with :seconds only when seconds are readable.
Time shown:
4:02:11
